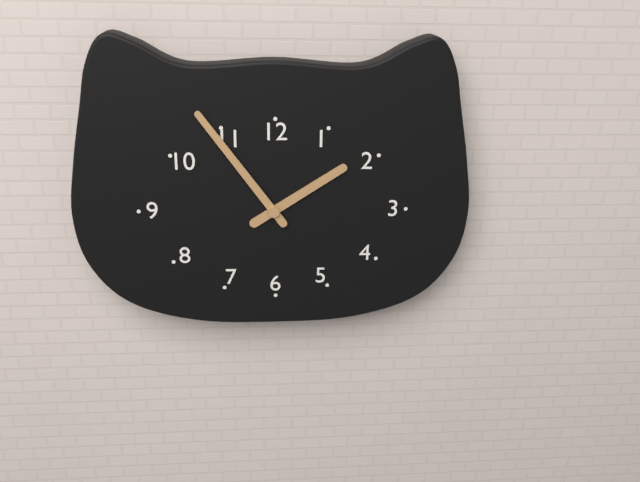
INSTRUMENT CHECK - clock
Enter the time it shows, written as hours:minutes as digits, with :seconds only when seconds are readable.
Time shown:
1:54
